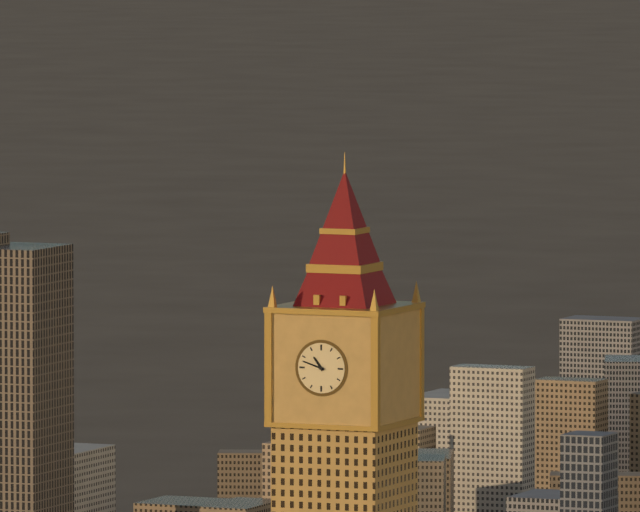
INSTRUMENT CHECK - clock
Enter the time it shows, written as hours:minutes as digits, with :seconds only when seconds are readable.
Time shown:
10:48
